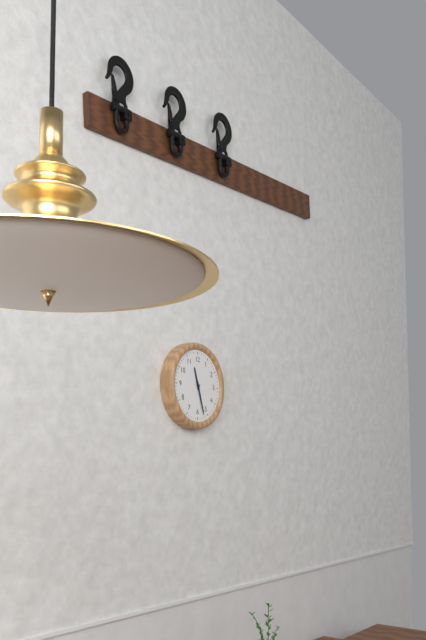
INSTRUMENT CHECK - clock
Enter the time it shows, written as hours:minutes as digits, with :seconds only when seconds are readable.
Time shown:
11:27
